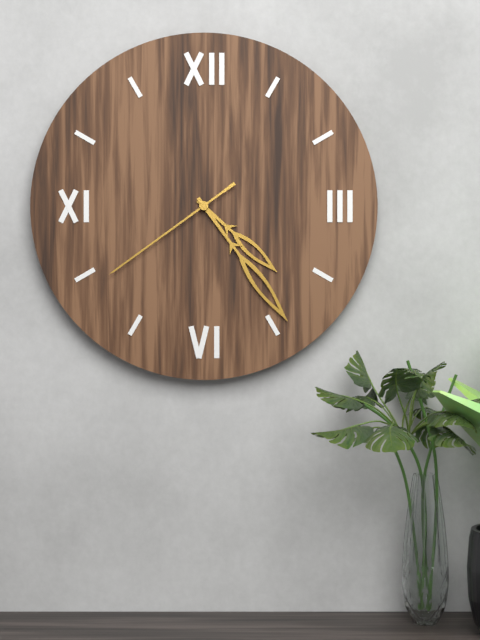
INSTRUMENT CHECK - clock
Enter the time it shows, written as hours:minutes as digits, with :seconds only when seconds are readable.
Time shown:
4:24:39
